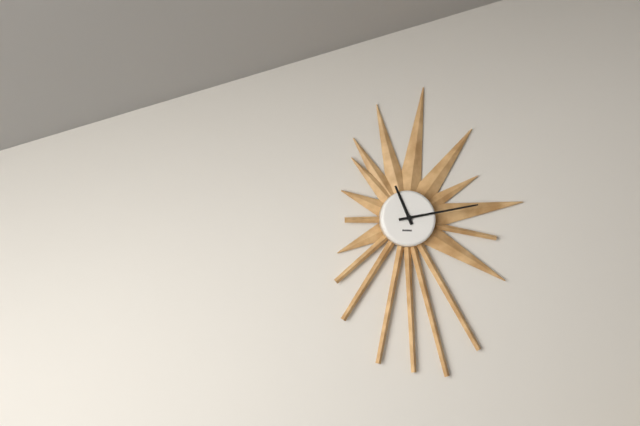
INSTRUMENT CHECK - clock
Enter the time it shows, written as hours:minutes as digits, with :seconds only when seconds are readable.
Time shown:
11:13
